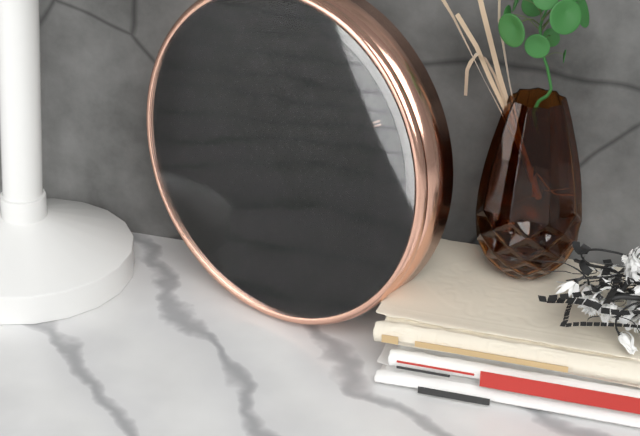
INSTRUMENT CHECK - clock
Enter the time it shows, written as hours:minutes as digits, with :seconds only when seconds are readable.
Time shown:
1:59:24
